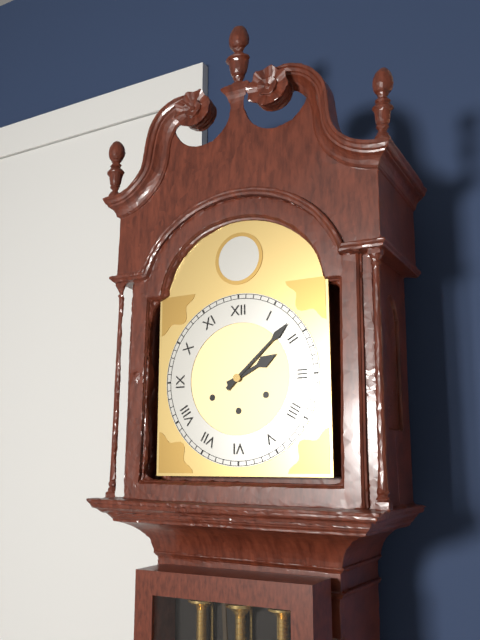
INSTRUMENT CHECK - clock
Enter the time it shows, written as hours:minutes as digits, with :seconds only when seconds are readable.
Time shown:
2:08
